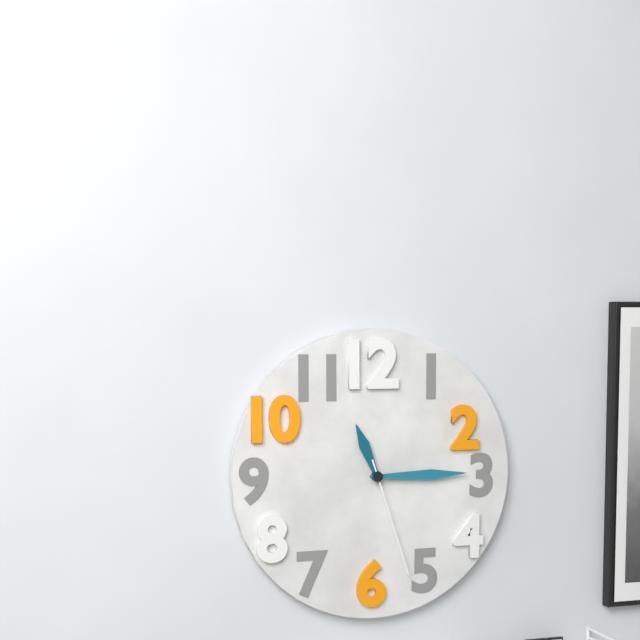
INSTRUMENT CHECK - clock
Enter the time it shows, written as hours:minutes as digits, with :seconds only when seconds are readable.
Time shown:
11:15:27
